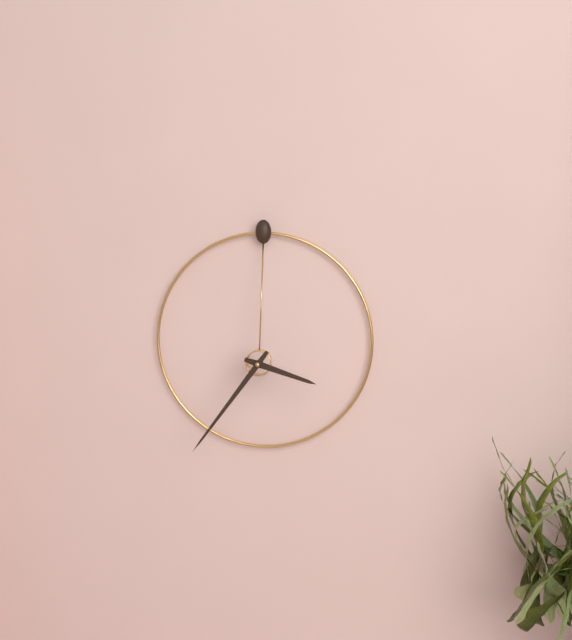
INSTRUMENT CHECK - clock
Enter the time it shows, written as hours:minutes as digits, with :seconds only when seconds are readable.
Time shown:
3:36
